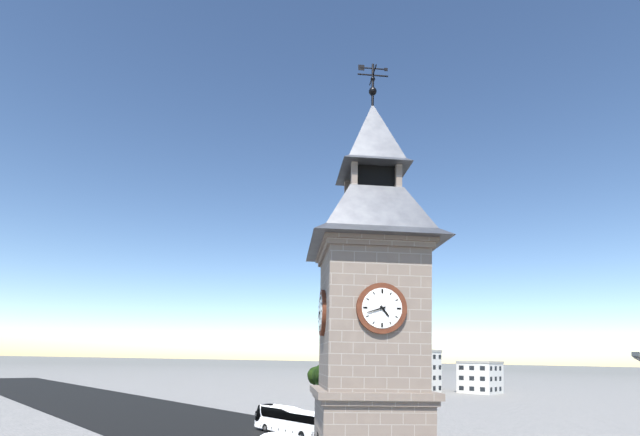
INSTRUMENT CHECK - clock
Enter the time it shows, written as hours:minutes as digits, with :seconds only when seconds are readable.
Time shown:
4:42
